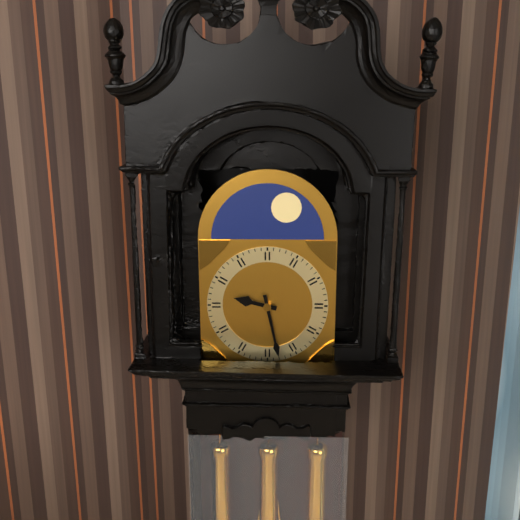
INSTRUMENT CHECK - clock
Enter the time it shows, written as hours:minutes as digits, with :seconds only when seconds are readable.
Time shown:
9:28
